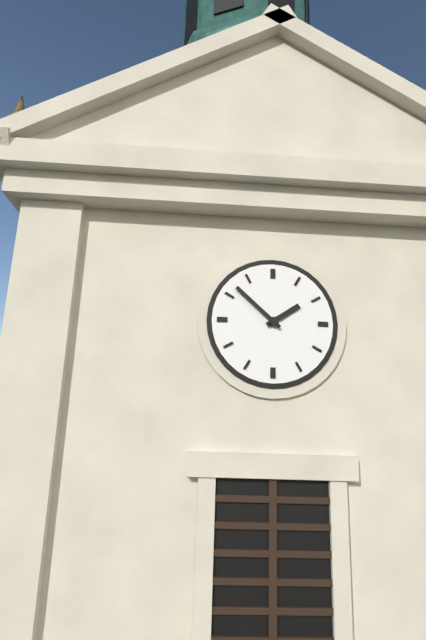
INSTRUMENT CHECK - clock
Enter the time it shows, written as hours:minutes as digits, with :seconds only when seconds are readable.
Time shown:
1:52
